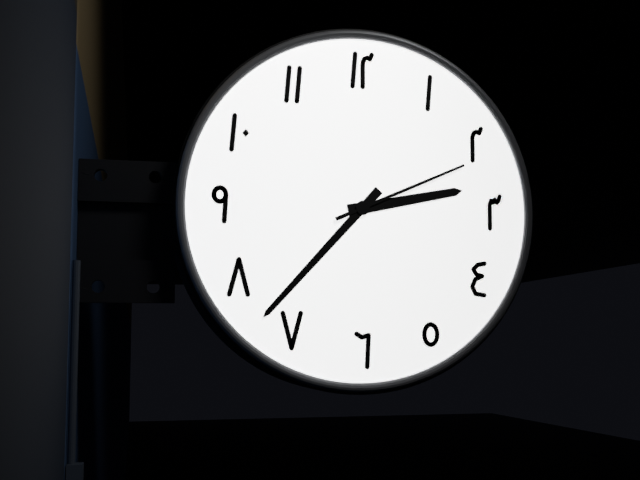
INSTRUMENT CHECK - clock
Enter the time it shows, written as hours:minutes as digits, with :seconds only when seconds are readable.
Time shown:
2:37:11
